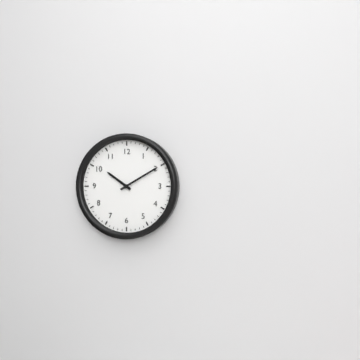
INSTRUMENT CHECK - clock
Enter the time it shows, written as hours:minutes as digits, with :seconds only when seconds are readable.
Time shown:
10:10
